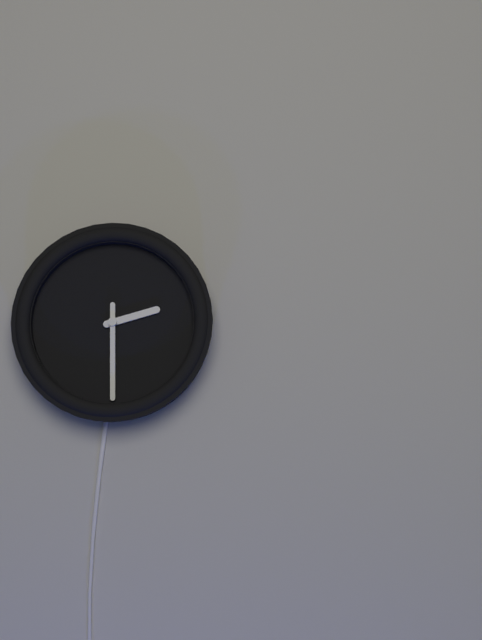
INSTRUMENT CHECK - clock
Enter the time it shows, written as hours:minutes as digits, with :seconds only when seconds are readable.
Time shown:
2:30
